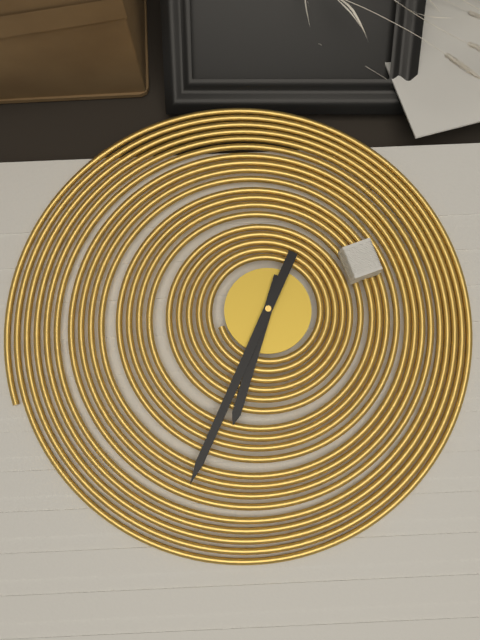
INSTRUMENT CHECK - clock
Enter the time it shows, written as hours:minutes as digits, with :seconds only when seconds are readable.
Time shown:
6:34
